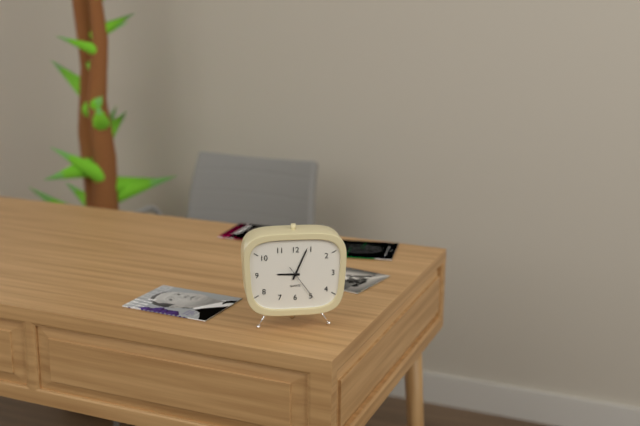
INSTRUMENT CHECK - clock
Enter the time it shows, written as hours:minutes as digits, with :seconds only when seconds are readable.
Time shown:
9:04
